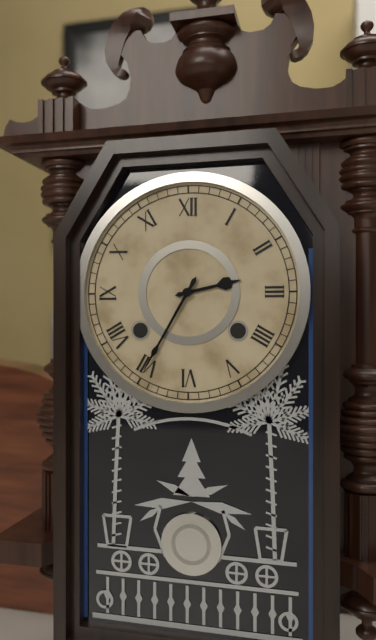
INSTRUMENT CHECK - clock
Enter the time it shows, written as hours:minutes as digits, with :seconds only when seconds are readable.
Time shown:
2:35
